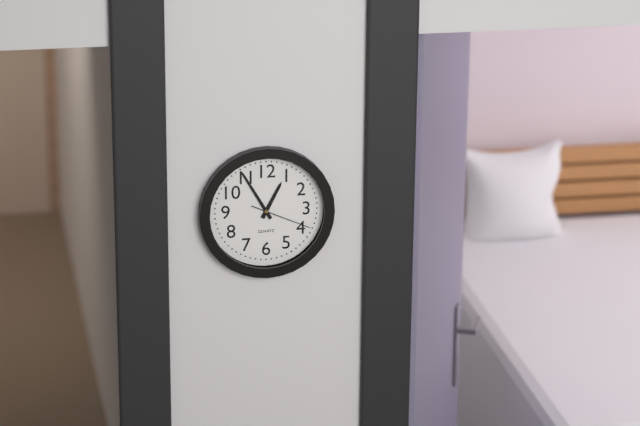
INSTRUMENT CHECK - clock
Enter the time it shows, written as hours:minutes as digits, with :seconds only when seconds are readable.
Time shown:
12:55:19
